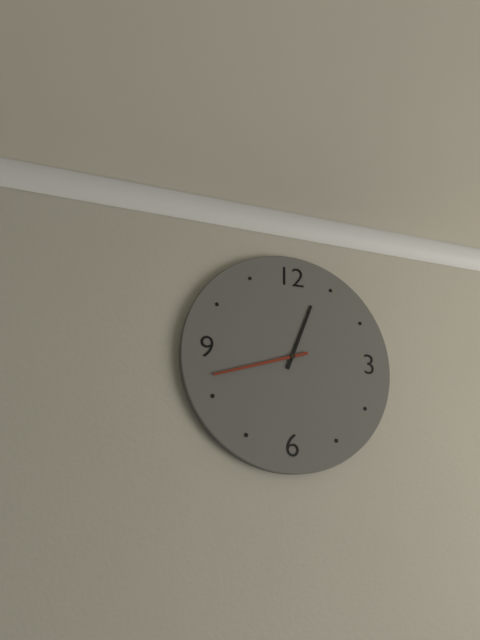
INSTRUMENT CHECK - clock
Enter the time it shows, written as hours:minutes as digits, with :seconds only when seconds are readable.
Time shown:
12:42
